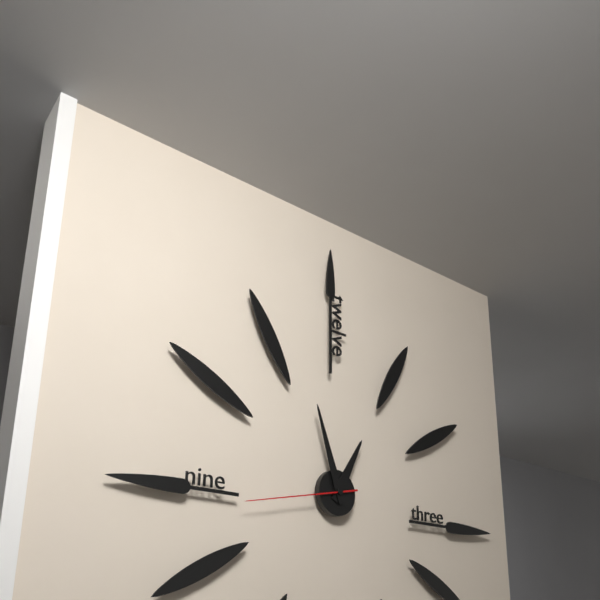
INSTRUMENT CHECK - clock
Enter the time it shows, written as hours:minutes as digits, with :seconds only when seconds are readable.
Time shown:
12:57:43
